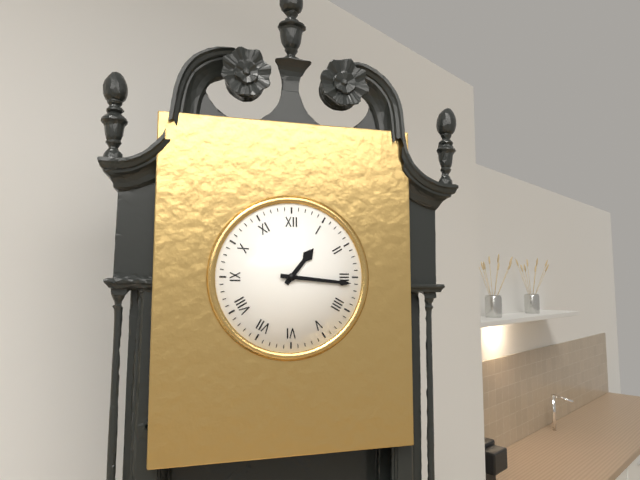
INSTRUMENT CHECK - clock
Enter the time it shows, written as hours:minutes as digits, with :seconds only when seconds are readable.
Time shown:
1:16
